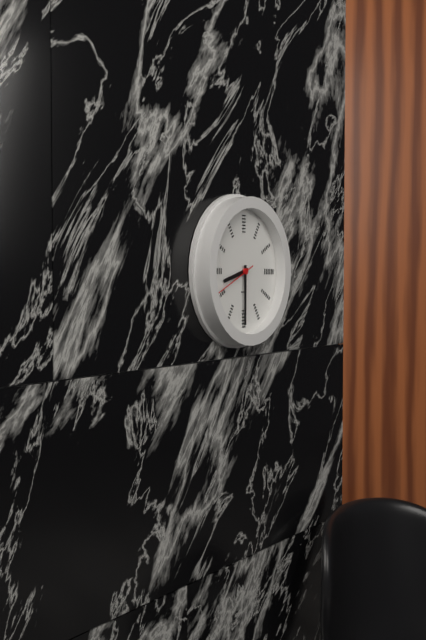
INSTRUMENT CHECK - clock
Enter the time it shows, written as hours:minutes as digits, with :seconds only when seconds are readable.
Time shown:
8:30
